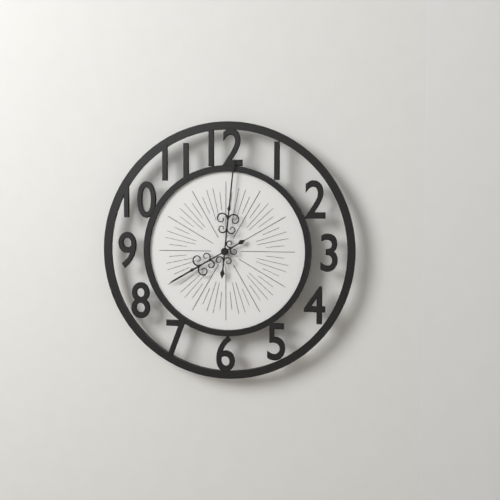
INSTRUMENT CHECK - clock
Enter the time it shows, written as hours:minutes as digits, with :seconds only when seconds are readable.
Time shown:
8:01
